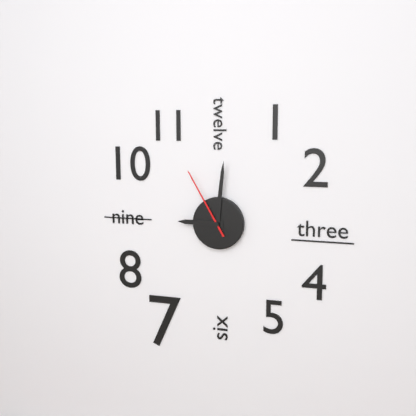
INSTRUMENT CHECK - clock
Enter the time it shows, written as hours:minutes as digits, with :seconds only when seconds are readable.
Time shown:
9:01:55
